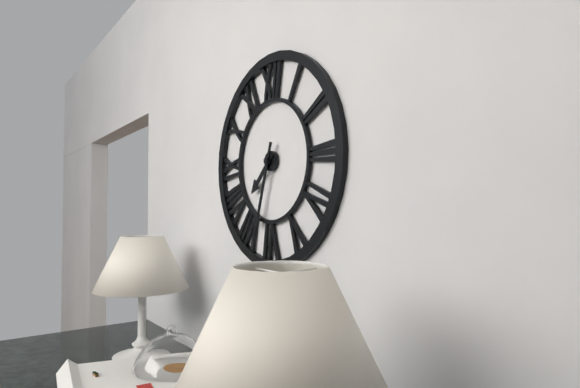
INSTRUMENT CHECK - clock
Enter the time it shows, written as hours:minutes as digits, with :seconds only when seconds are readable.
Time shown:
7:33
